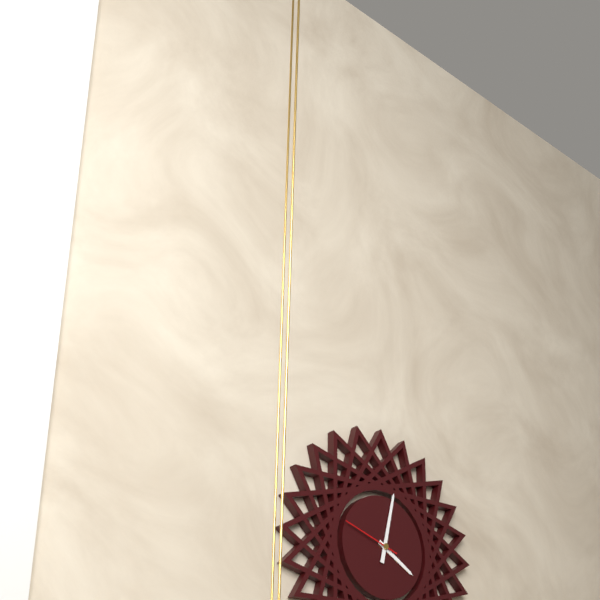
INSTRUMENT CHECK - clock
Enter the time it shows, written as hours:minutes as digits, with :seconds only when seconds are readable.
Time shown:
4:02:48
